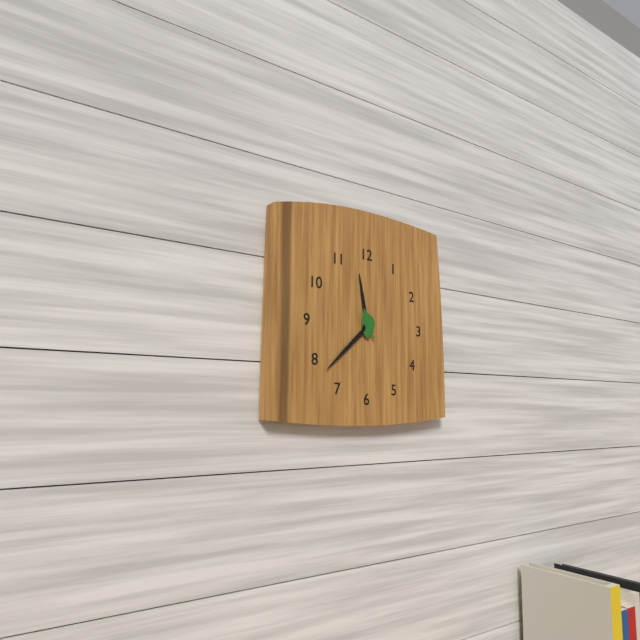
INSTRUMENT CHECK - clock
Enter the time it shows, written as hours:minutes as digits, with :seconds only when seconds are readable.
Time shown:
11:38
